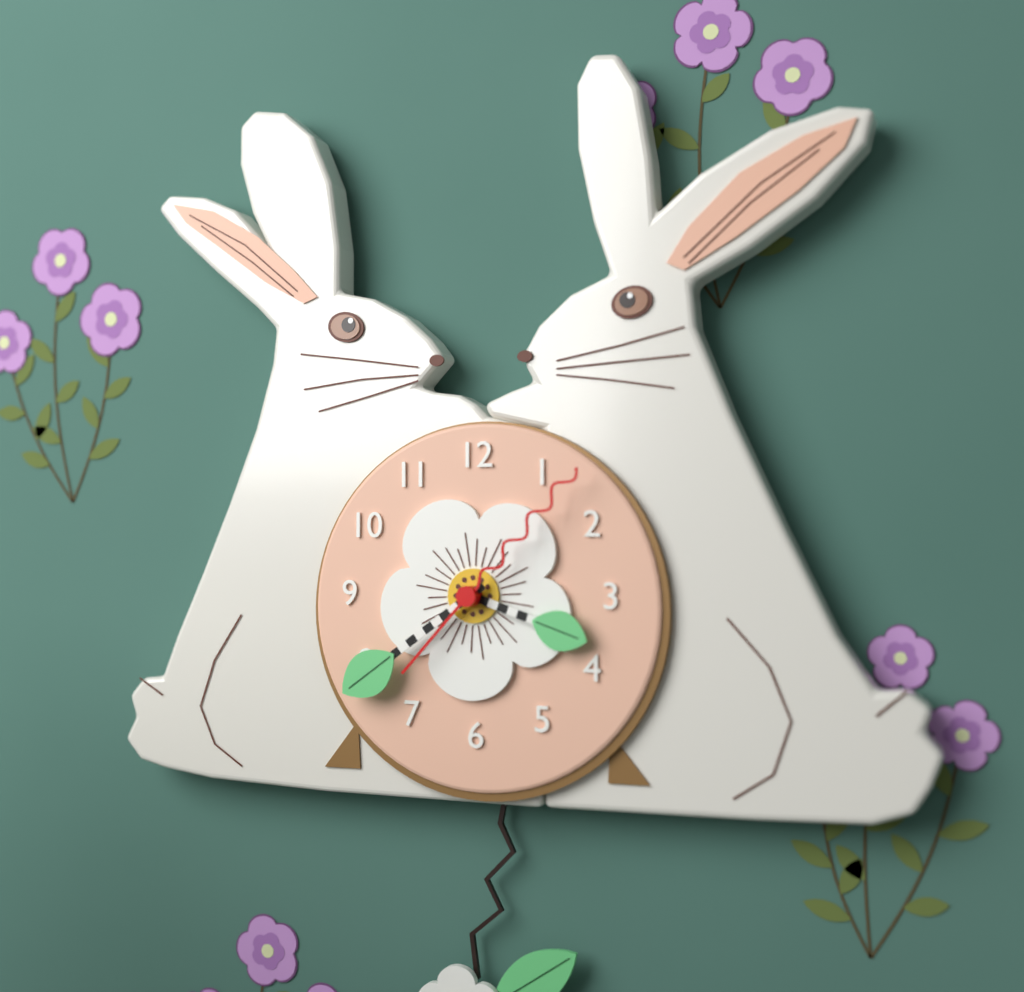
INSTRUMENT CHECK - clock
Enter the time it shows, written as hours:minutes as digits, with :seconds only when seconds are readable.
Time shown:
3:39:07
